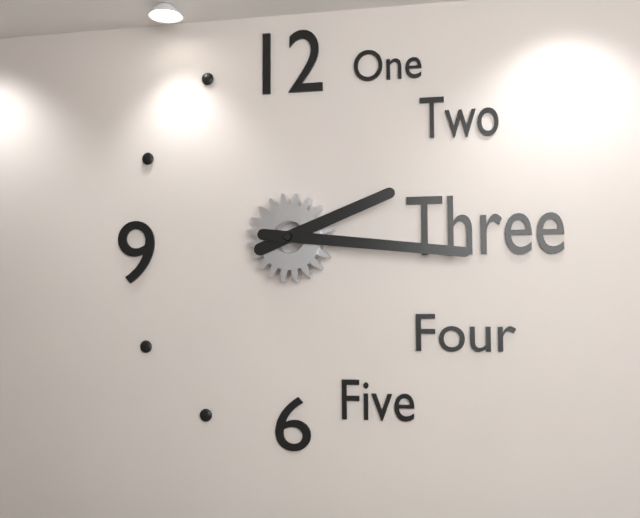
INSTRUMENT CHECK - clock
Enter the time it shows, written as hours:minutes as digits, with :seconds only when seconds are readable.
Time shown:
2:16
